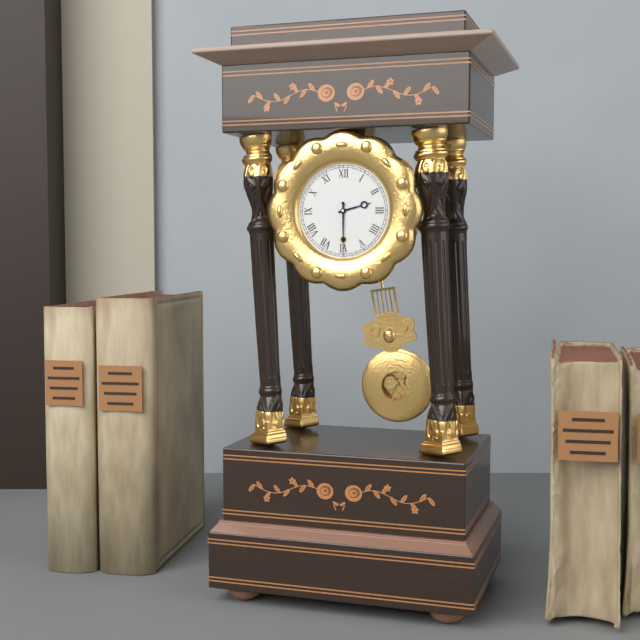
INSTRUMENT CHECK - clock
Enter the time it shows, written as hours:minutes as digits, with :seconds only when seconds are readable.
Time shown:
2:30
